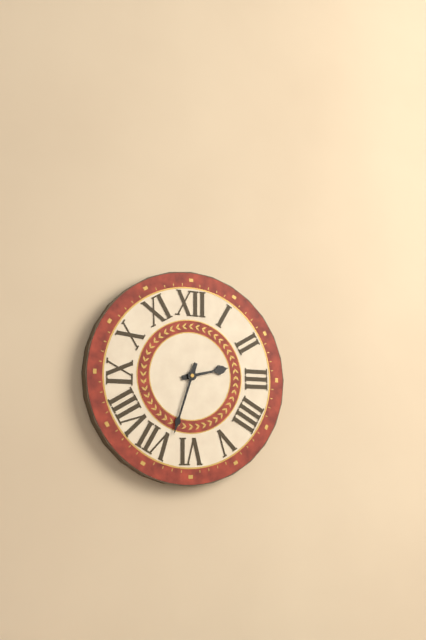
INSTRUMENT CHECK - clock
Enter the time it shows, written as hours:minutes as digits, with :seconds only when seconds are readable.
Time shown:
2:33
